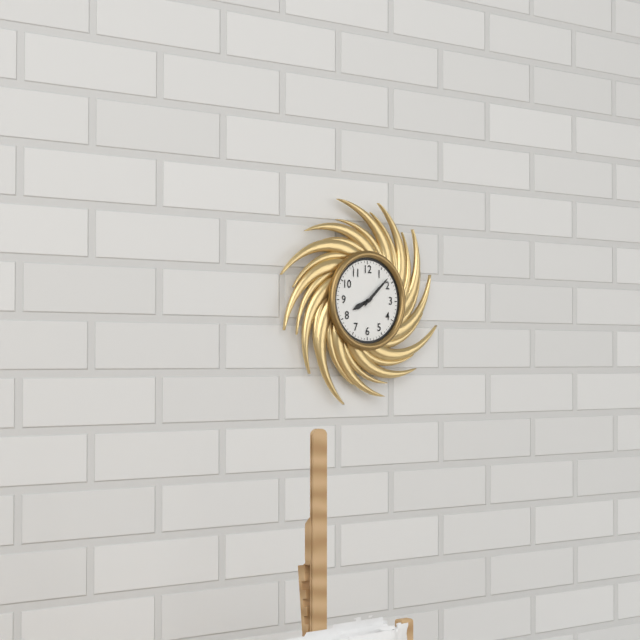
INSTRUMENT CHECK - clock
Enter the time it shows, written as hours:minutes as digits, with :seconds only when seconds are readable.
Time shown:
8:08
